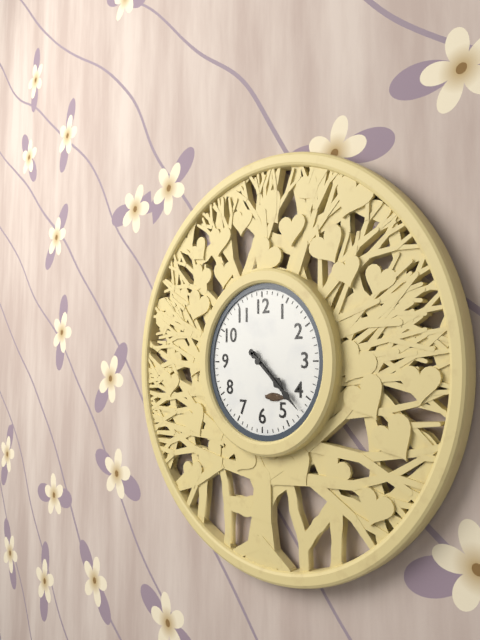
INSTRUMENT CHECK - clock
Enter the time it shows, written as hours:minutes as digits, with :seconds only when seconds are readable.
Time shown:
4:22
